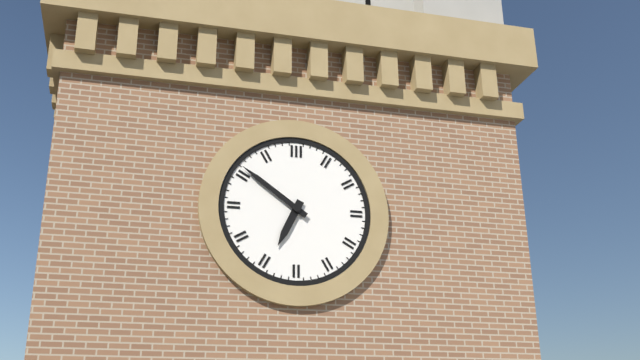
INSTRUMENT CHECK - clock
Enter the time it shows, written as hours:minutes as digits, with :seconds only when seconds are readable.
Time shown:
6:51
